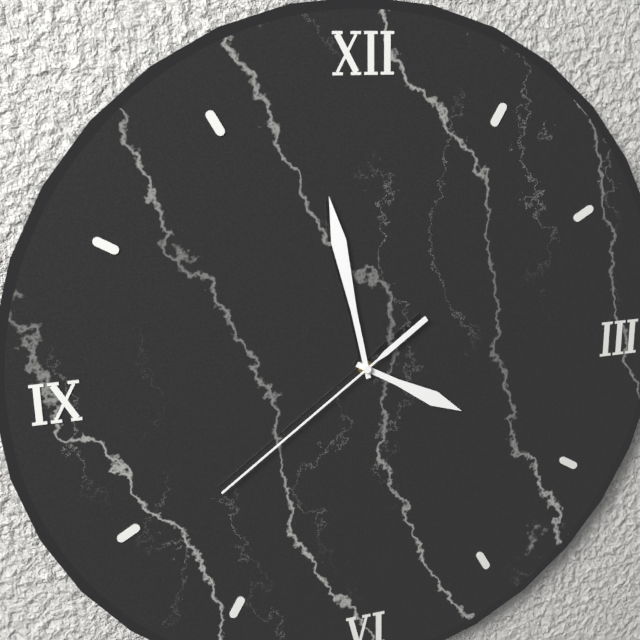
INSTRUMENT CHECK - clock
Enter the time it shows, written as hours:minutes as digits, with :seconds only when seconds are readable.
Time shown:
3:58:39
